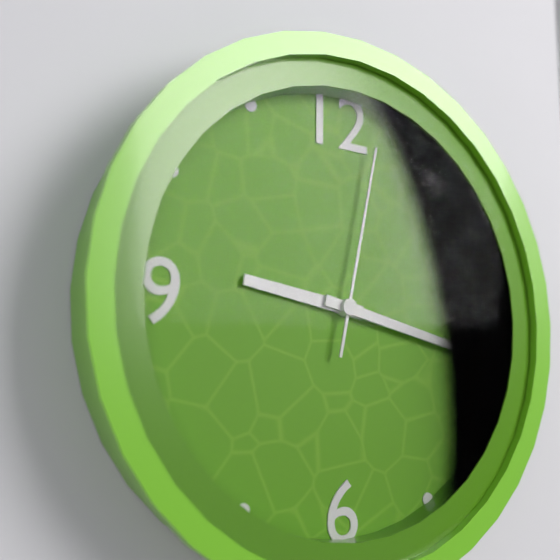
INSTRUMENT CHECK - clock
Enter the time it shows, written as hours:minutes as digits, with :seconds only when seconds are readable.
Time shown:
9:17:02
